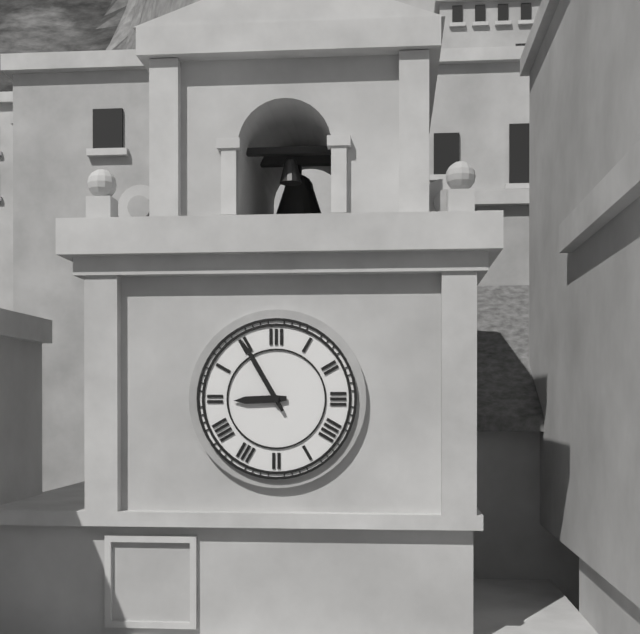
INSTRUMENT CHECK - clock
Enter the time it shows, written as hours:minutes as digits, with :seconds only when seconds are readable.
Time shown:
8:55
